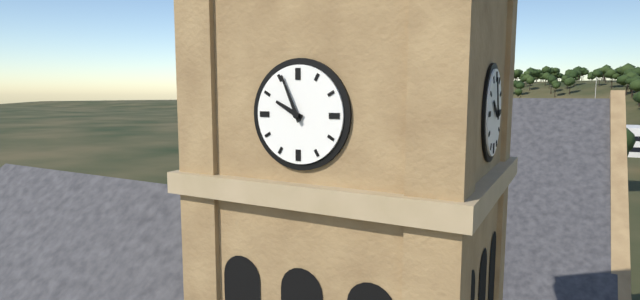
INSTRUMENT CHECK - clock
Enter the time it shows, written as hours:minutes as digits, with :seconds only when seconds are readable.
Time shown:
9:56
